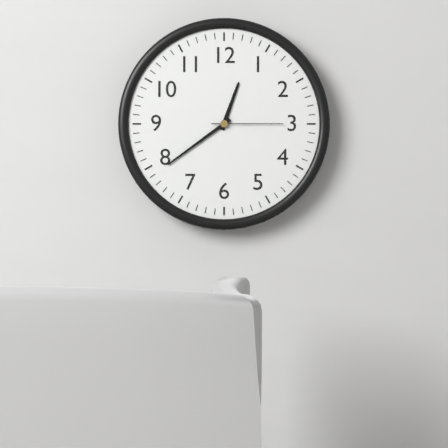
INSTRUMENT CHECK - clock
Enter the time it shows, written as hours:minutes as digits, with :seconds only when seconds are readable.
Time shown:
12:39:15
